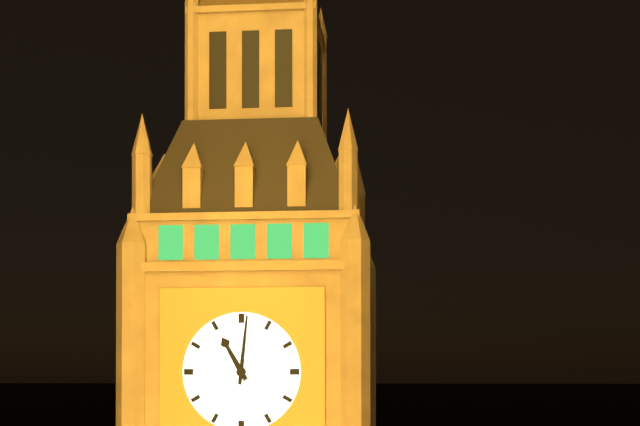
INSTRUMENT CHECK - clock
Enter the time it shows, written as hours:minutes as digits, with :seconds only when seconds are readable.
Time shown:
11:01
